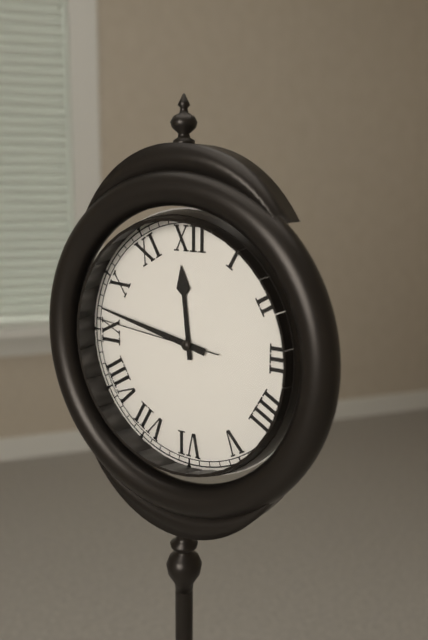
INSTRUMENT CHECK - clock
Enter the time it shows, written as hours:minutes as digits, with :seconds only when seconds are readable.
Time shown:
11:47:46
